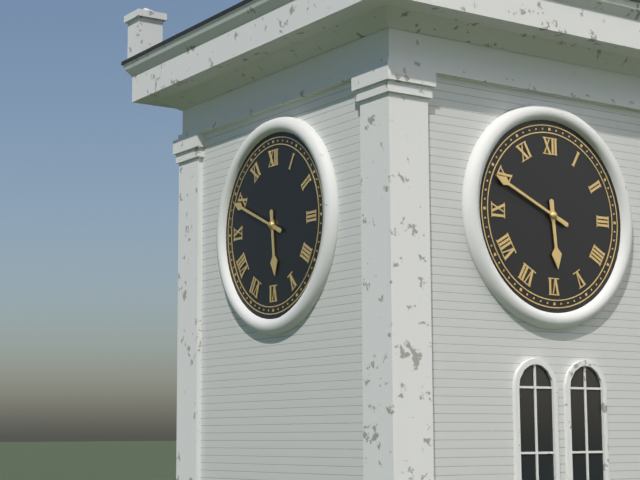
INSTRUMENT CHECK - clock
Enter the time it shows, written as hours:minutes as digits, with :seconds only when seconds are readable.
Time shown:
5:49
